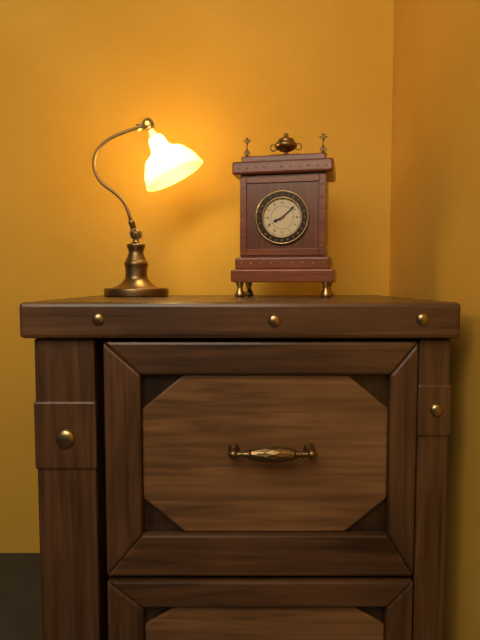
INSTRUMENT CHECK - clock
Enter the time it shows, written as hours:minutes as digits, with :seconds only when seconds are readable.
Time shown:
8:08
